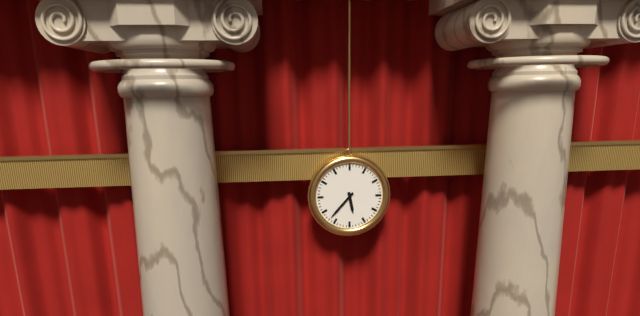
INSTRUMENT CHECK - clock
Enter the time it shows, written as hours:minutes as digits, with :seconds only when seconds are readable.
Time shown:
5:37
